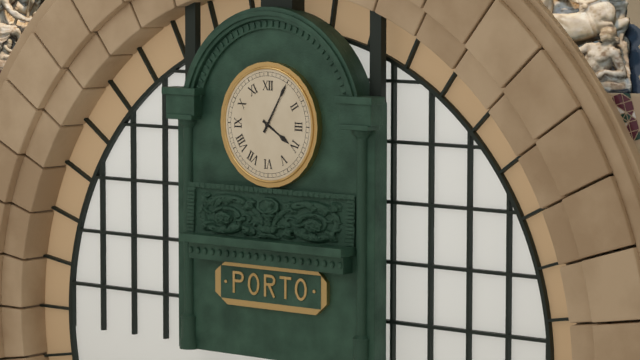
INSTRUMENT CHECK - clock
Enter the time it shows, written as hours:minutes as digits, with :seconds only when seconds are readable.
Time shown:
4:05
